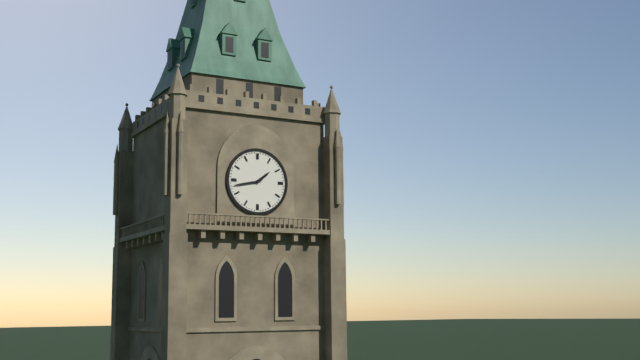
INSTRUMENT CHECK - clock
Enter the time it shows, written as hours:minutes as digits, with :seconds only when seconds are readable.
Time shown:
1:43
